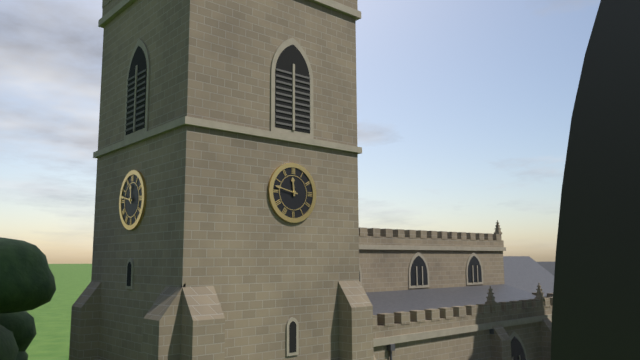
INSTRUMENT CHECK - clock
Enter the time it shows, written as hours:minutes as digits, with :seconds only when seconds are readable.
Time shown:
11:47
